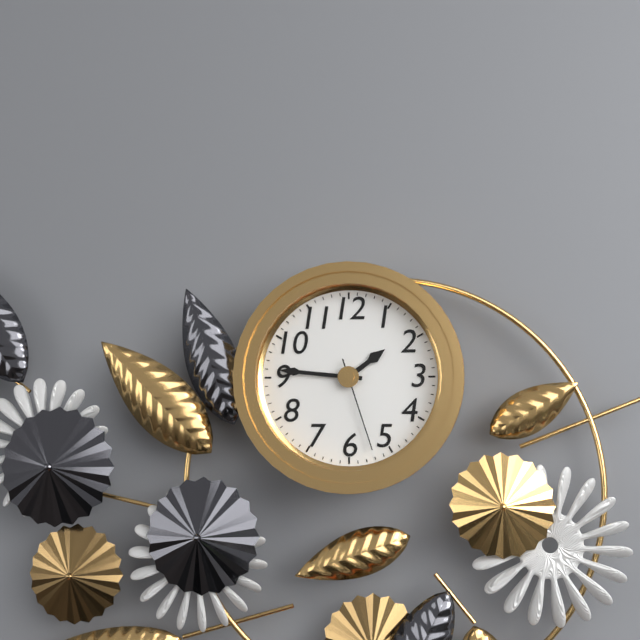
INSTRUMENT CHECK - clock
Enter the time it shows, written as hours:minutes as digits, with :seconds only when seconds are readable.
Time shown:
1:46:27
